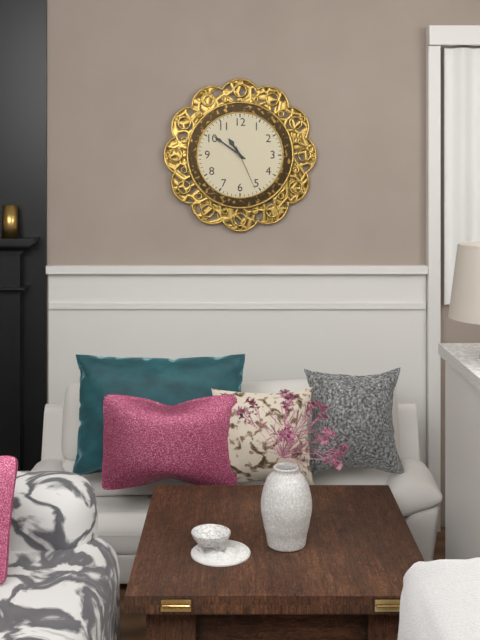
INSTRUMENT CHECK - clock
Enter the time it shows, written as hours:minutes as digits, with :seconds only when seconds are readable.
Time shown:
10:51
